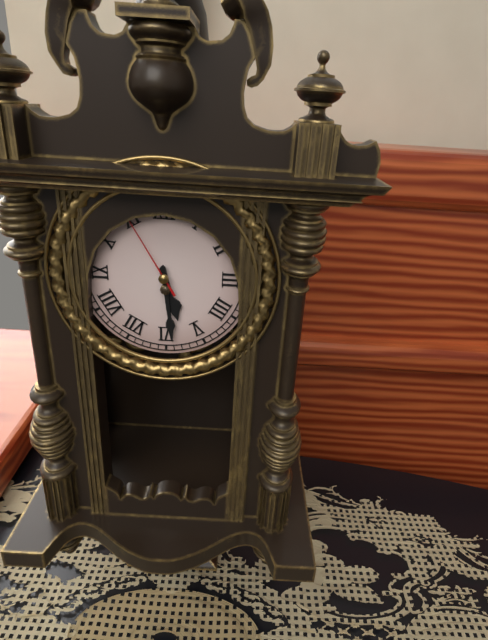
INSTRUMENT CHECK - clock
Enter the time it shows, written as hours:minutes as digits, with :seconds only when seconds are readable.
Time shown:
5:29:55
